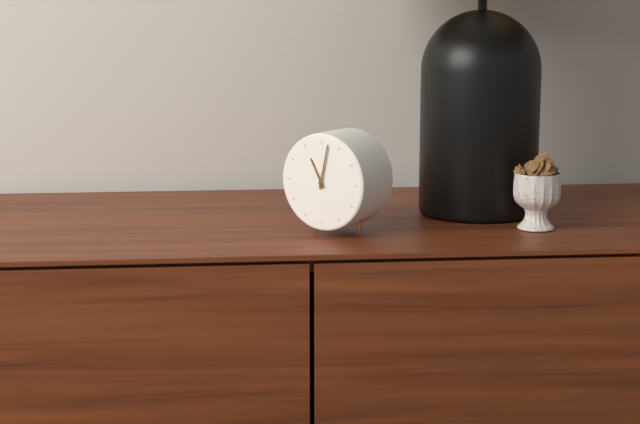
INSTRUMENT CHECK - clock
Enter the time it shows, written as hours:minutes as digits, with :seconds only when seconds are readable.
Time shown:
11:02
